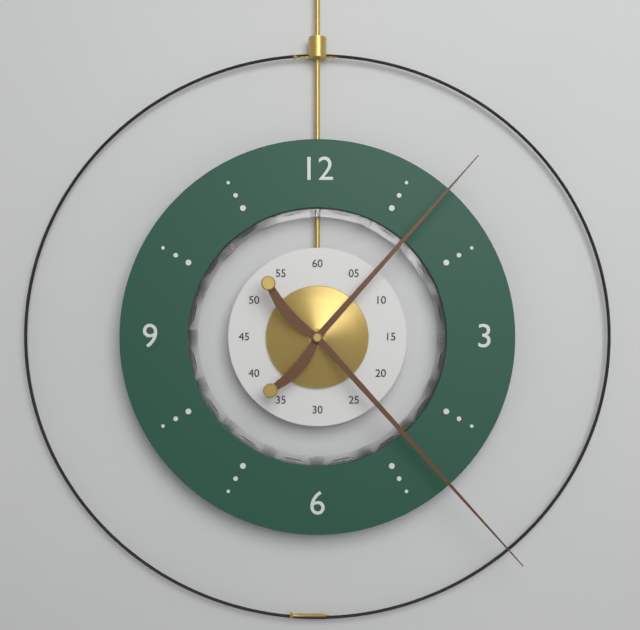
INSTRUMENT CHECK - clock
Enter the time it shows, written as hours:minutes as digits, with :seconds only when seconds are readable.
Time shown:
1:23
